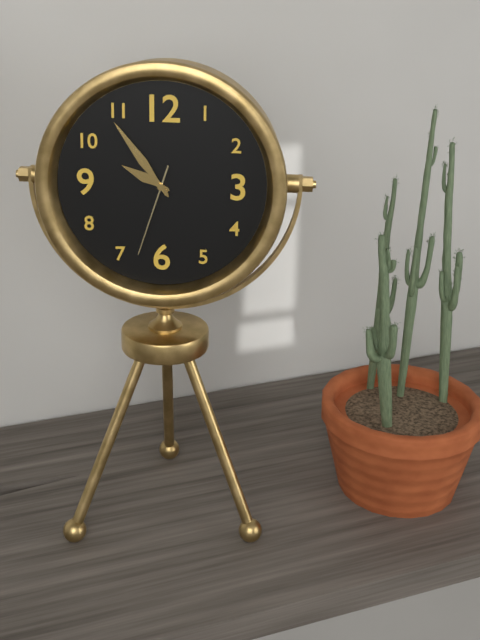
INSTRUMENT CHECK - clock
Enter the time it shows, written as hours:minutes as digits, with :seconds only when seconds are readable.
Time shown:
9:54:33
